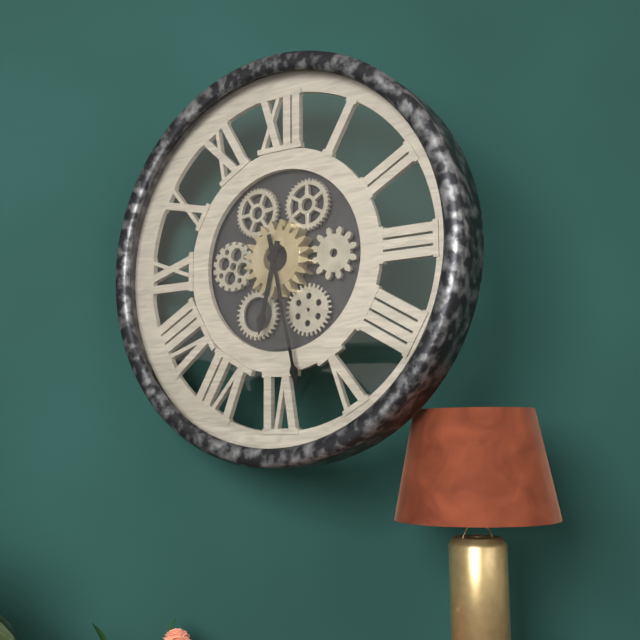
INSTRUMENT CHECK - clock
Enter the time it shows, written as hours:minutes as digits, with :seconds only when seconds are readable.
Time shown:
6:28
